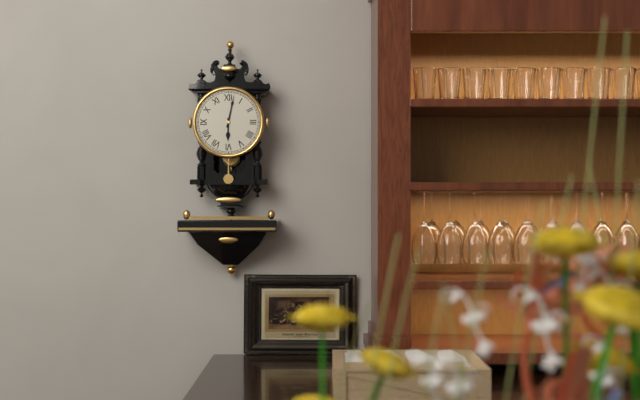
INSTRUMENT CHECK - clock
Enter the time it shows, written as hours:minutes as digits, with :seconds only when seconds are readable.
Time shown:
6:02
